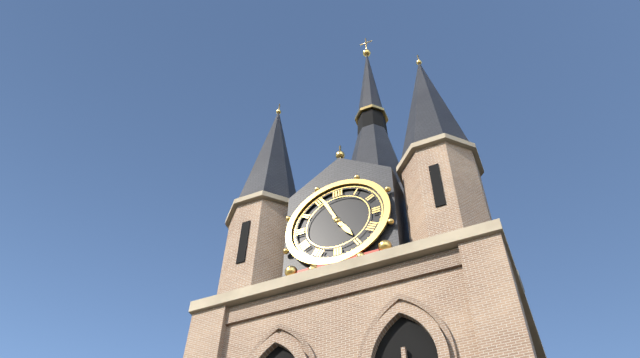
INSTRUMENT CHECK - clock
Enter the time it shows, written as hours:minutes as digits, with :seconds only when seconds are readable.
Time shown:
4:56
